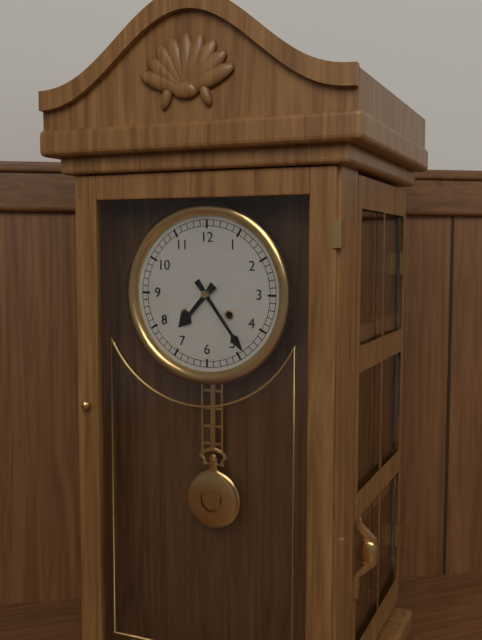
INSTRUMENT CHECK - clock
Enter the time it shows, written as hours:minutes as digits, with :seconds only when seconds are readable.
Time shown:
7:24
